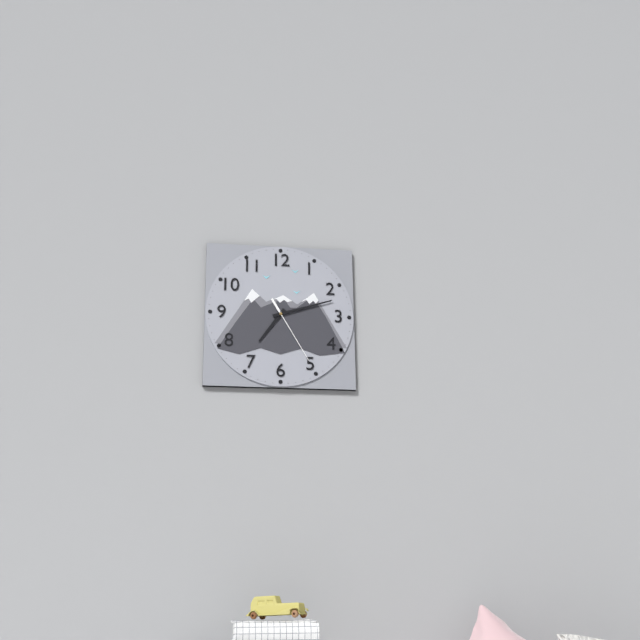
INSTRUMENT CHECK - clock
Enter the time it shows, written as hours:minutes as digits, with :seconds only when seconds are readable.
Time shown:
7:12:25
